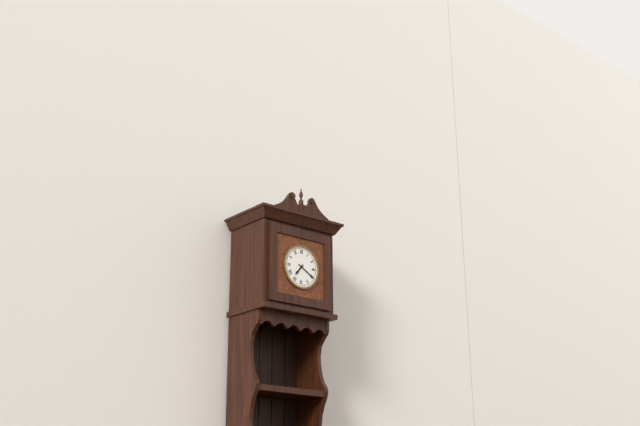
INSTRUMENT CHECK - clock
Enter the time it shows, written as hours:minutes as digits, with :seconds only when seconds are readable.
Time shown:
7:20
